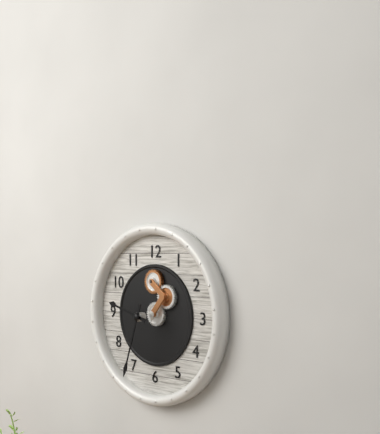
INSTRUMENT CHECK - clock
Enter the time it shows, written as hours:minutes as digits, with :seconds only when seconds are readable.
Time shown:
9:33
